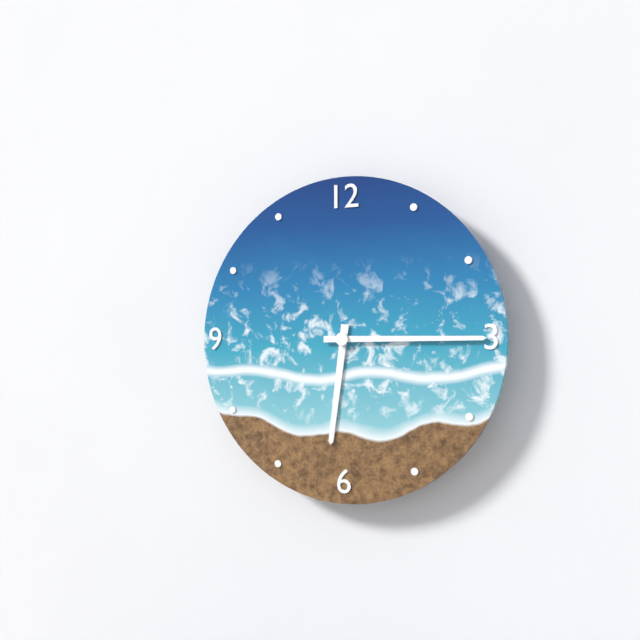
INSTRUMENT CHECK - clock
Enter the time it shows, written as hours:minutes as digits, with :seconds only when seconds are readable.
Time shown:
6:15
